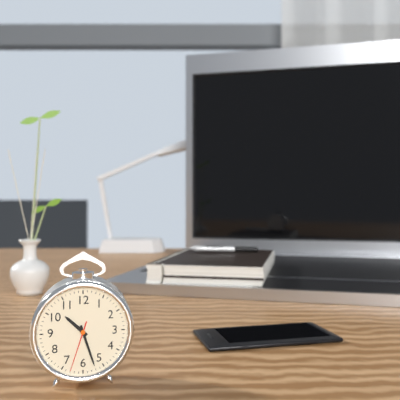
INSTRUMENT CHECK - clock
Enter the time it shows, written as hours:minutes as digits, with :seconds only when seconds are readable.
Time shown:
10:27:33
